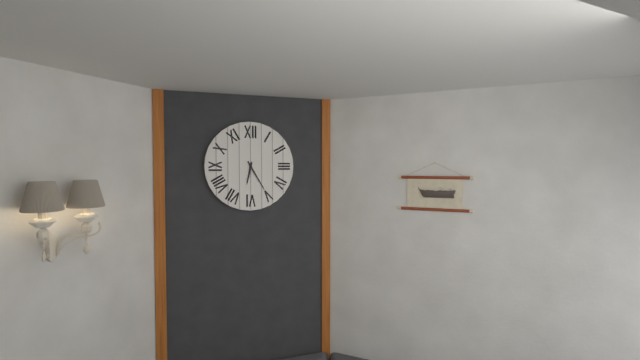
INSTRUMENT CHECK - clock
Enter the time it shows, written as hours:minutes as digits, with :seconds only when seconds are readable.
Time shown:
6:25
